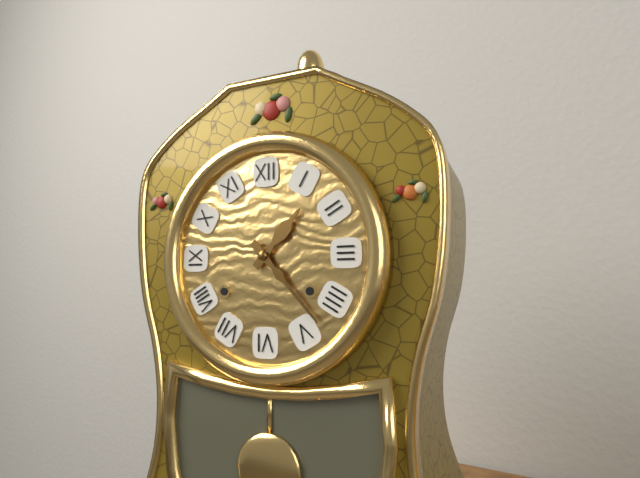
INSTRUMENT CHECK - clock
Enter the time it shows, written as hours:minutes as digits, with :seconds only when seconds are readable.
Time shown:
1:23
